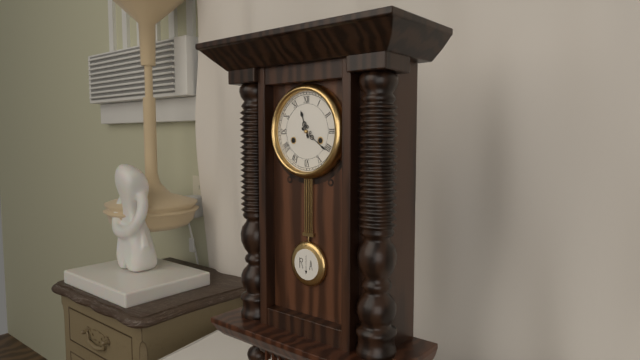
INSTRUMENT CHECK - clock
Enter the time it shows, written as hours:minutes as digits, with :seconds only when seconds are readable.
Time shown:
11:21
